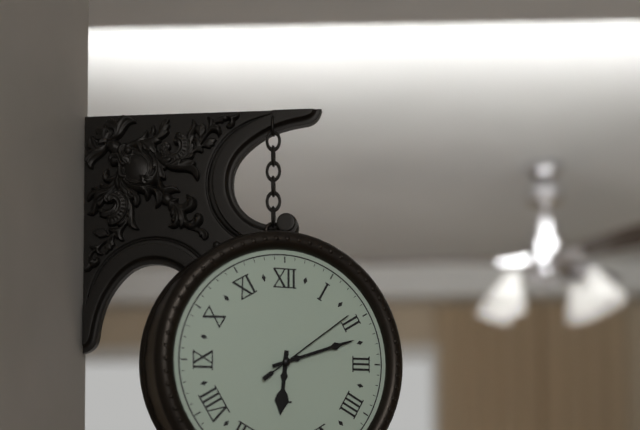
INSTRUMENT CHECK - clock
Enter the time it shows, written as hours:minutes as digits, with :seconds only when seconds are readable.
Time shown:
6:12:09
